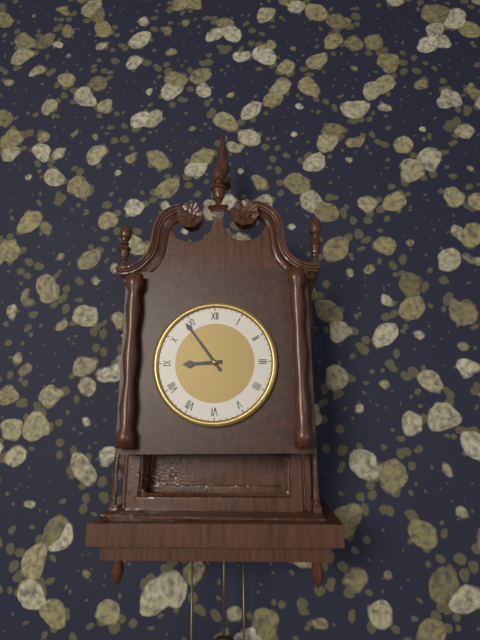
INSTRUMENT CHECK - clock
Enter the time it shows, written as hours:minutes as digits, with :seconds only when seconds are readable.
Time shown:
8:54
